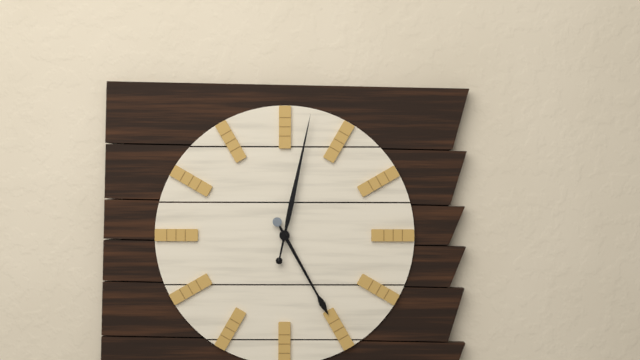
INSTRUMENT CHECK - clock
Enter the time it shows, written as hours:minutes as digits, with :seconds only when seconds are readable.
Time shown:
5:02
